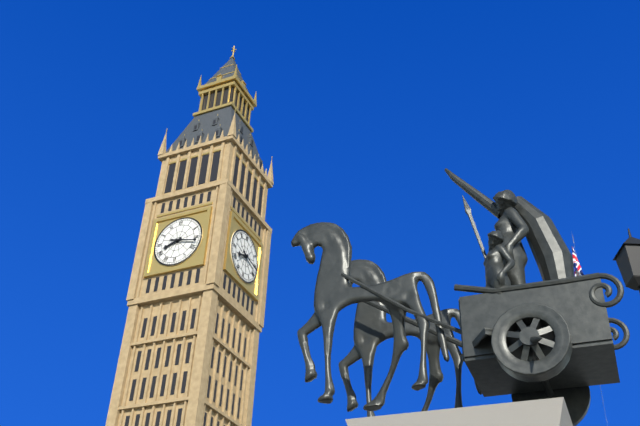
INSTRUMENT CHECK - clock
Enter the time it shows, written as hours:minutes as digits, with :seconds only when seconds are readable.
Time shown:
8:17
